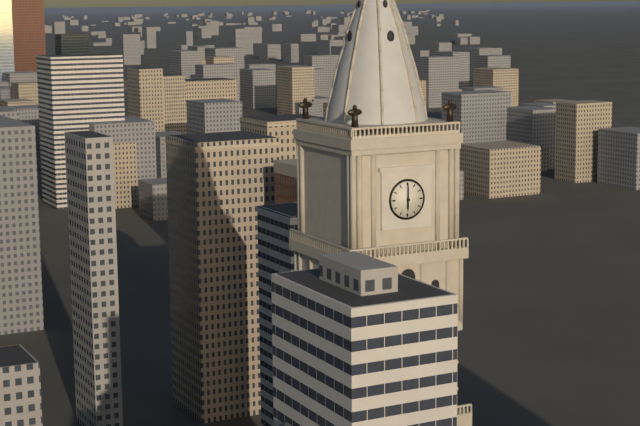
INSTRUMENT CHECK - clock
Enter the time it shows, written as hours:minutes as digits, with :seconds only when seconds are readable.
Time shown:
6:00
